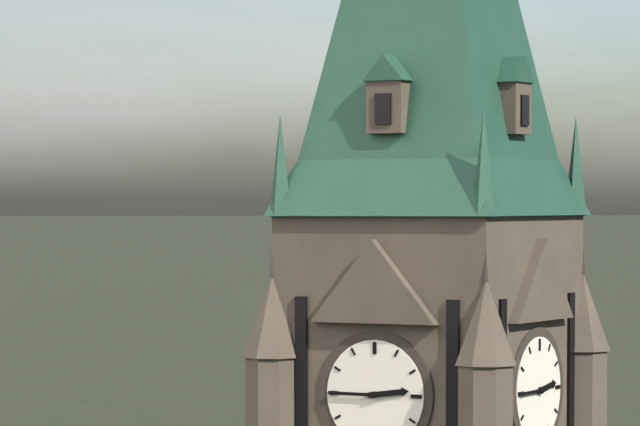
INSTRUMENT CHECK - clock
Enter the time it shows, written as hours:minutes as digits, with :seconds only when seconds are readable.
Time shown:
2:45
